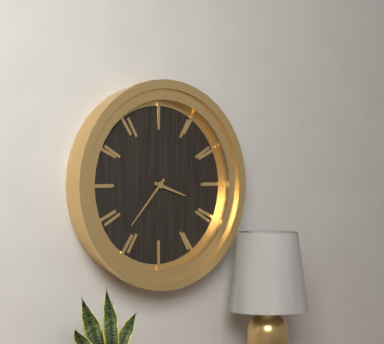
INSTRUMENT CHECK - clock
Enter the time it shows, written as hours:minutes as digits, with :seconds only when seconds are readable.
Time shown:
3:37
